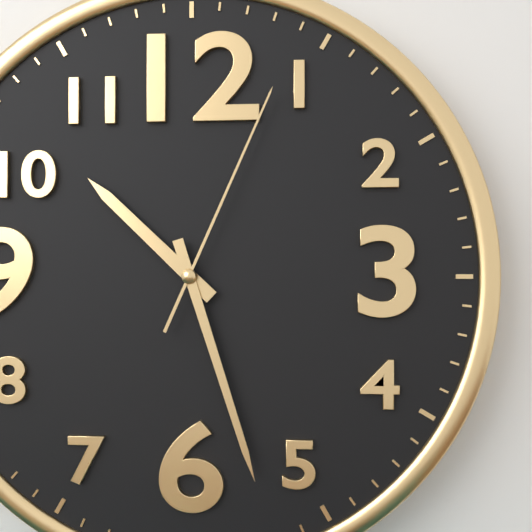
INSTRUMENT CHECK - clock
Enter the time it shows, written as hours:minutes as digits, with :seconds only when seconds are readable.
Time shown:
10:27:04
